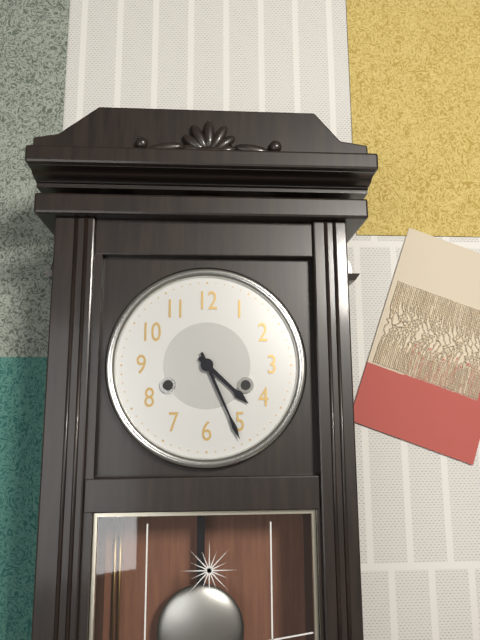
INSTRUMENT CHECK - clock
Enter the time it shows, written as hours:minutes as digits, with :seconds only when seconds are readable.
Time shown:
4:26
